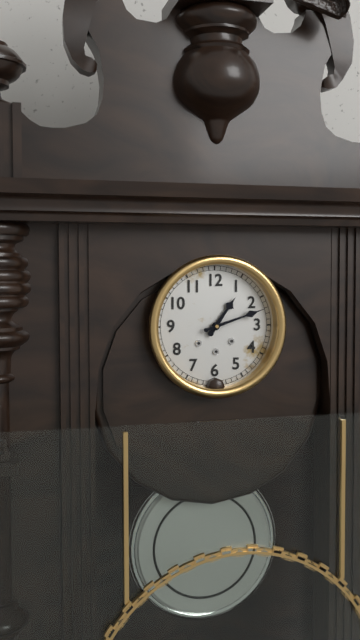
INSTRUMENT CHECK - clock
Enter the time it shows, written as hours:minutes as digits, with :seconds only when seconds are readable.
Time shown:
1:12
